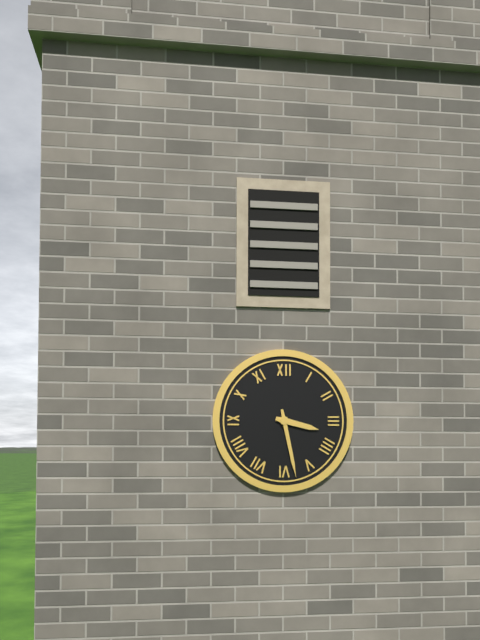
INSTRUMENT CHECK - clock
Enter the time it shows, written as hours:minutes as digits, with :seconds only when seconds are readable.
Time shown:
3:28
